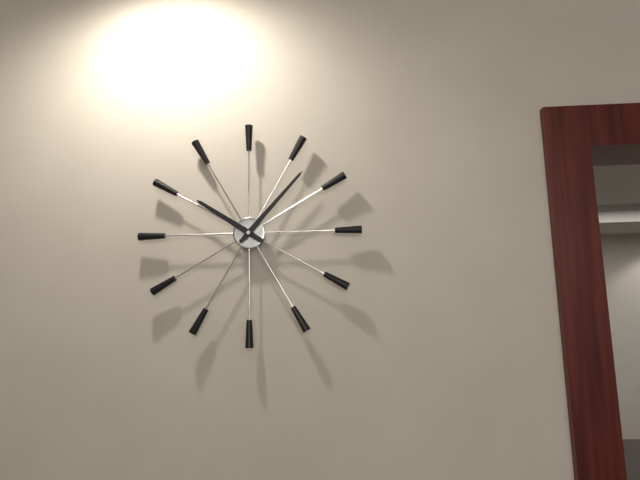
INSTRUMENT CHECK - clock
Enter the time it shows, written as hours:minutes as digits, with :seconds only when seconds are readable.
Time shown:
10:07
